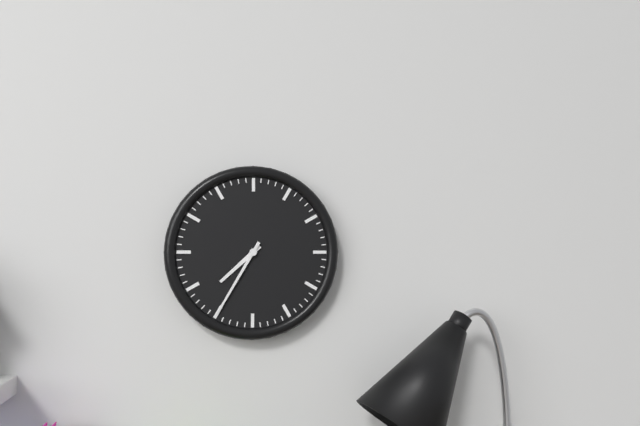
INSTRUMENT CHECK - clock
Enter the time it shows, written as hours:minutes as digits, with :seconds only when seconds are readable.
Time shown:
7:35
